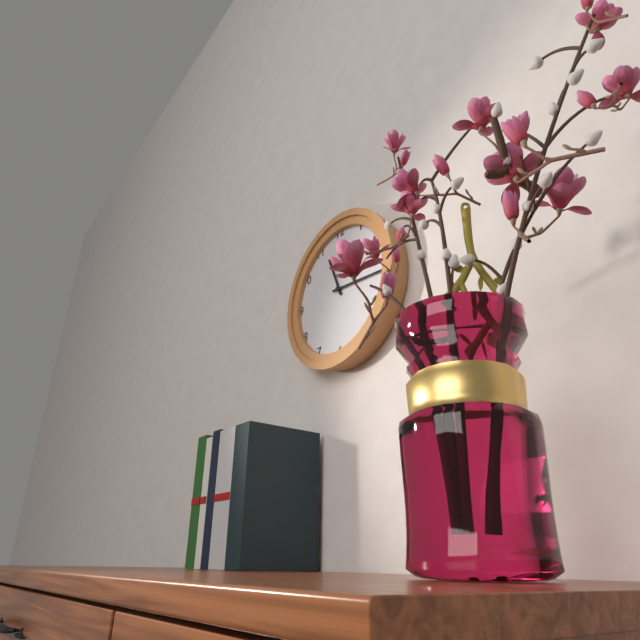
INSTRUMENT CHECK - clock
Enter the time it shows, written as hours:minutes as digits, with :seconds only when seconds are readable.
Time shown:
11:16
